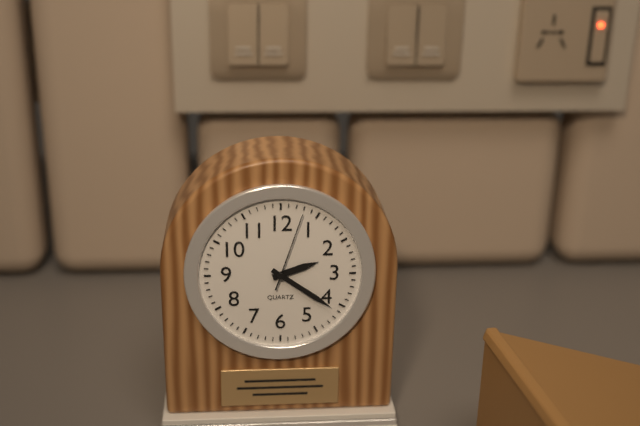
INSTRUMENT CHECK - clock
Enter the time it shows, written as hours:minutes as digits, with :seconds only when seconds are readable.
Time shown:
2:21:03
